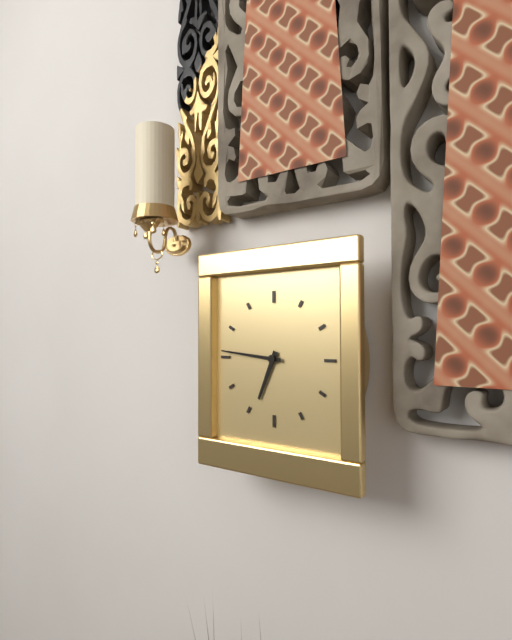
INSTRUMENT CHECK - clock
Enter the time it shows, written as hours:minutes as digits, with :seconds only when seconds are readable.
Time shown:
6:46
